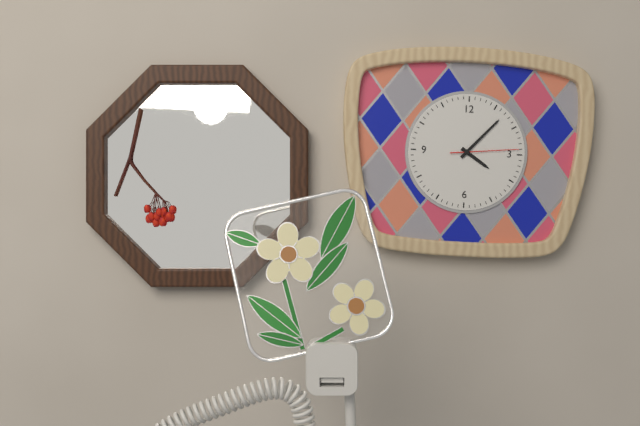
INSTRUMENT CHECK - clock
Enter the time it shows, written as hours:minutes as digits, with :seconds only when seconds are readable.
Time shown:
4:07:14
